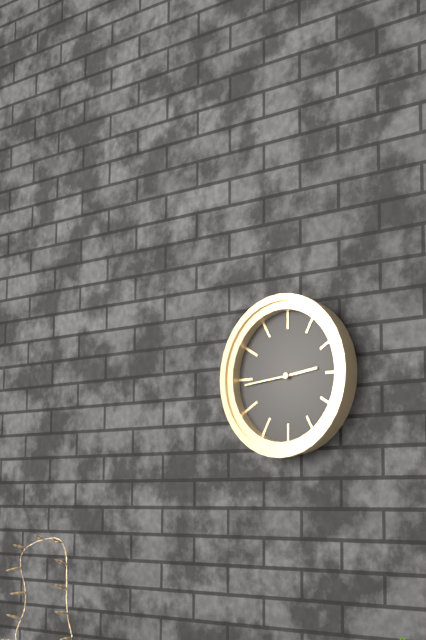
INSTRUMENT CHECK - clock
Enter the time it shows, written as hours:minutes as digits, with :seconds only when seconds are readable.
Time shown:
2:44
